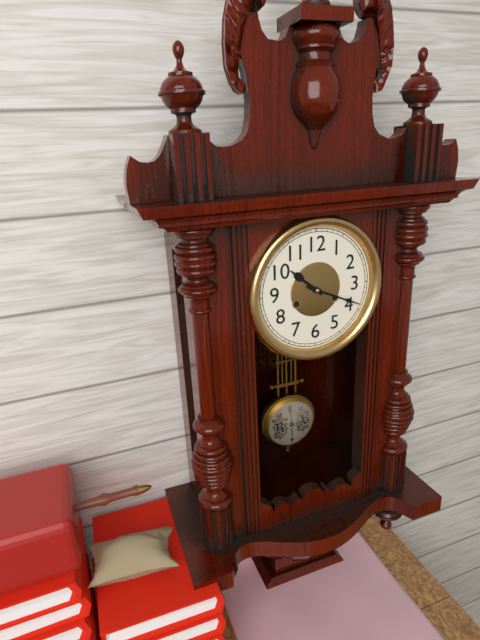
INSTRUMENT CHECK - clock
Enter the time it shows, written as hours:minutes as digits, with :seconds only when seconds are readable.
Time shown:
10:19
